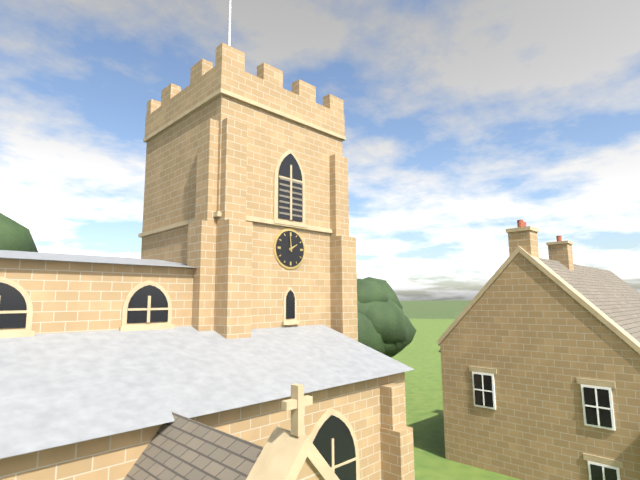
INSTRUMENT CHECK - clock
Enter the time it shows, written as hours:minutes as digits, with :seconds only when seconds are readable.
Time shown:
1:59
